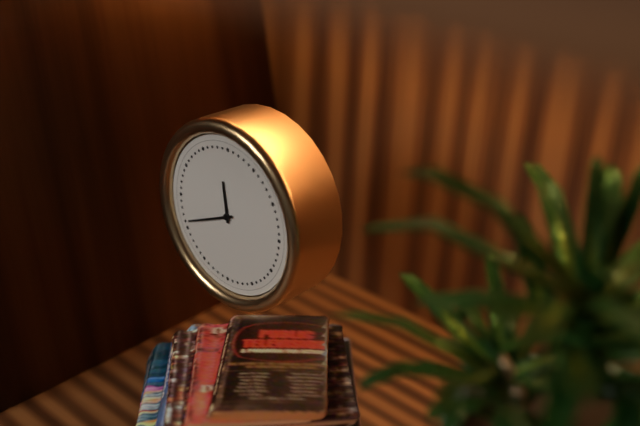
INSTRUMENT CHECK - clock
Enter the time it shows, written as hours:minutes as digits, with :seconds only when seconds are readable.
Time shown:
11:41
